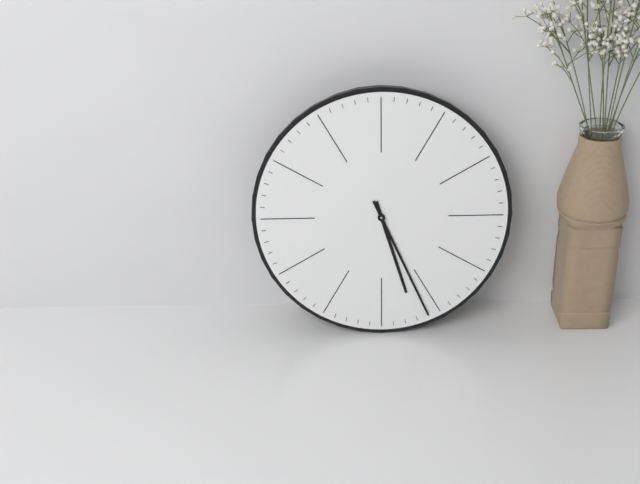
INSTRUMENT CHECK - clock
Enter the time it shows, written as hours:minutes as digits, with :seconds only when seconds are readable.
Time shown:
5:26
